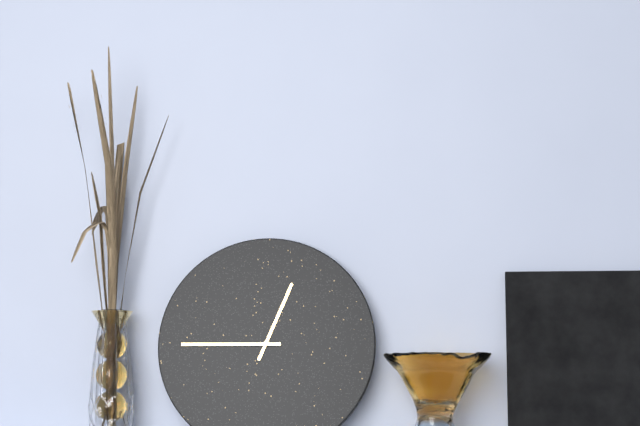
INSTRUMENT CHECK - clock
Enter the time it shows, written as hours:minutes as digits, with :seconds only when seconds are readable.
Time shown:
12:45
